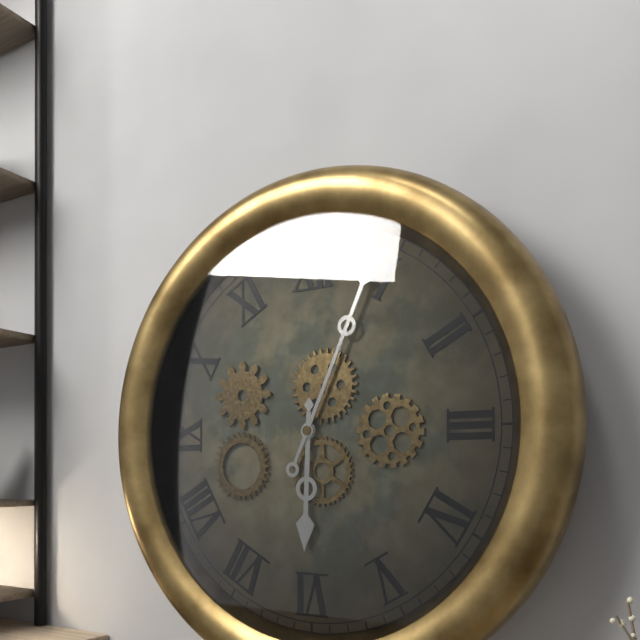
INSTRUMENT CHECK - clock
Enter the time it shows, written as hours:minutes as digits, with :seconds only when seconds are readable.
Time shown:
6:04
